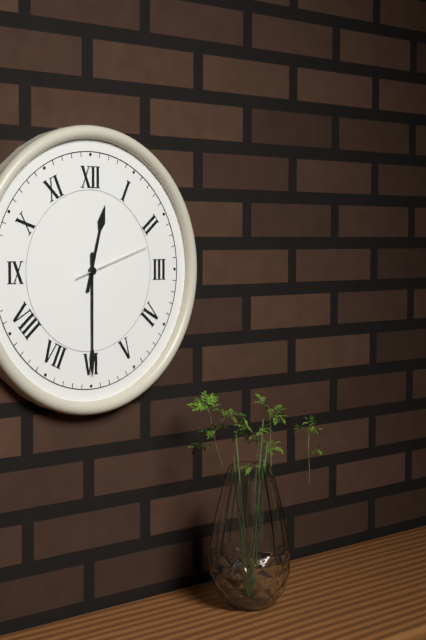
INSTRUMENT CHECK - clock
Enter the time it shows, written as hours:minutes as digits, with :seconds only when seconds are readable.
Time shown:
12:30:12
